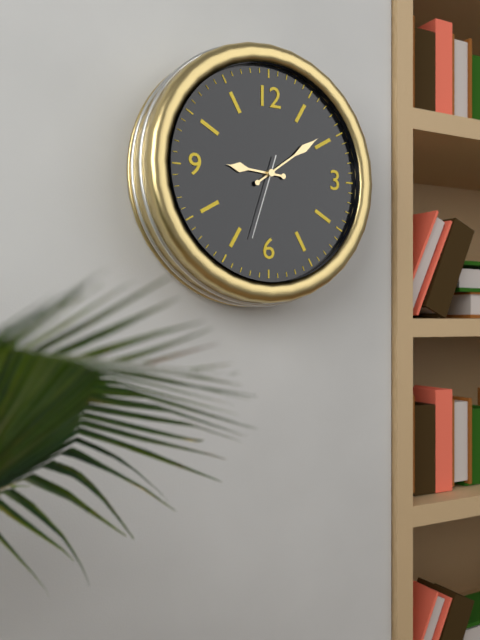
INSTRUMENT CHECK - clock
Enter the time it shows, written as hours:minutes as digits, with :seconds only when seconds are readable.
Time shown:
9:09:33
